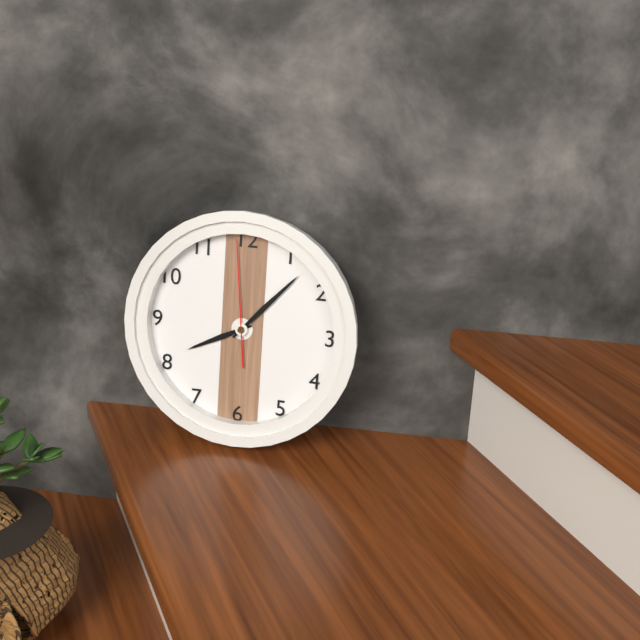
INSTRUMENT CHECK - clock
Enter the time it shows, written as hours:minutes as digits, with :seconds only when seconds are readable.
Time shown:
8:07:59
